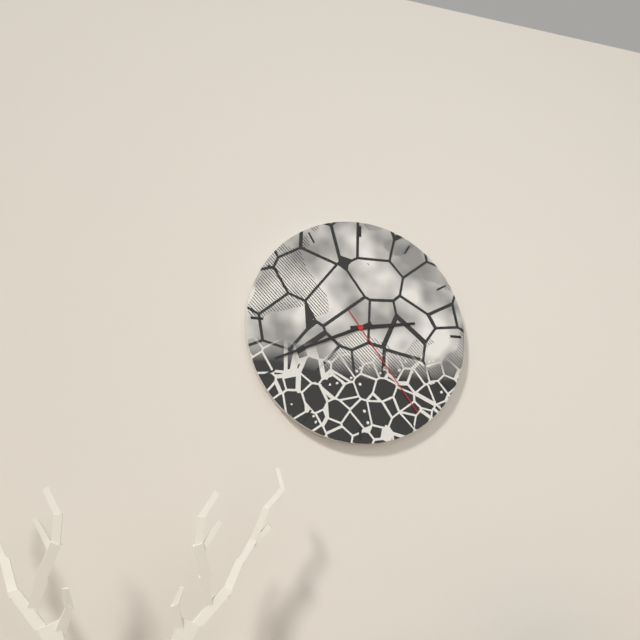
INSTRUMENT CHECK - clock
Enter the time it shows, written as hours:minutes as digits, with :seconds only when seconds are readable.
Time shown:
2:41:24
